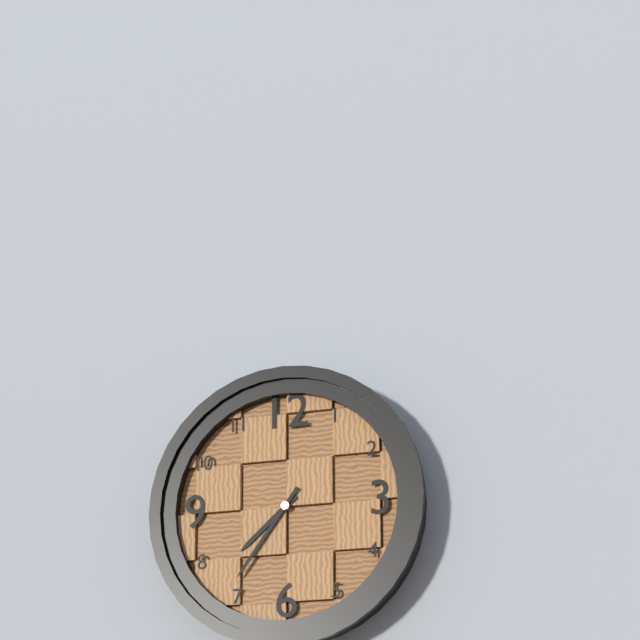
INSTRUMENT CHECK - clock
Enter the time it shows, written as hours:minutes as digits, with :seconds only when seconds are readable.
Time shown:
7:36
